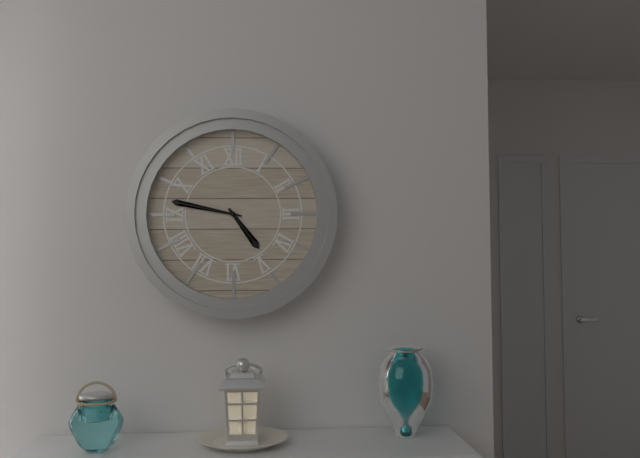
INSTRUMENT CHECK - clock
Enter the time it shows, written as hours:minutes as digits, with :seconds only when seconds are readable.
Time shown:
4:47
